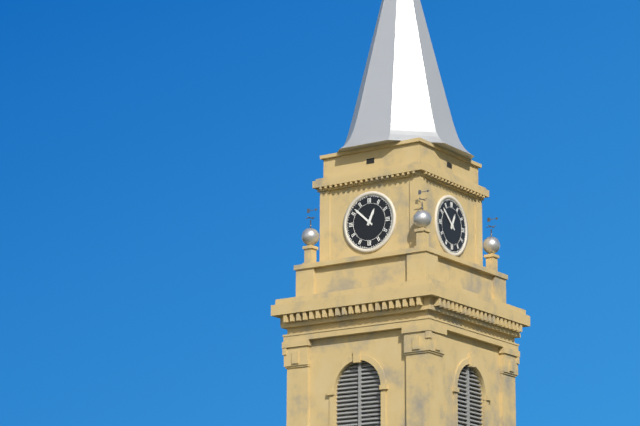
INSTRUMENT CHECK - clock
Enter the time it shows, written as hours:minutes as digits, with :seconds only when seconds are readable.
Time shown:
12:52
